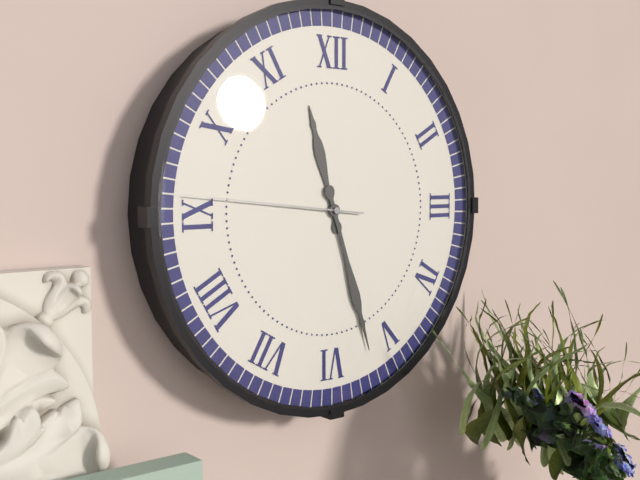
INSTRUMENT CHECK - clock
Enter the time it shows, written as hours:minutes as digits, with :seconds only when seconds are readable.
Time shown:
11:27:46
